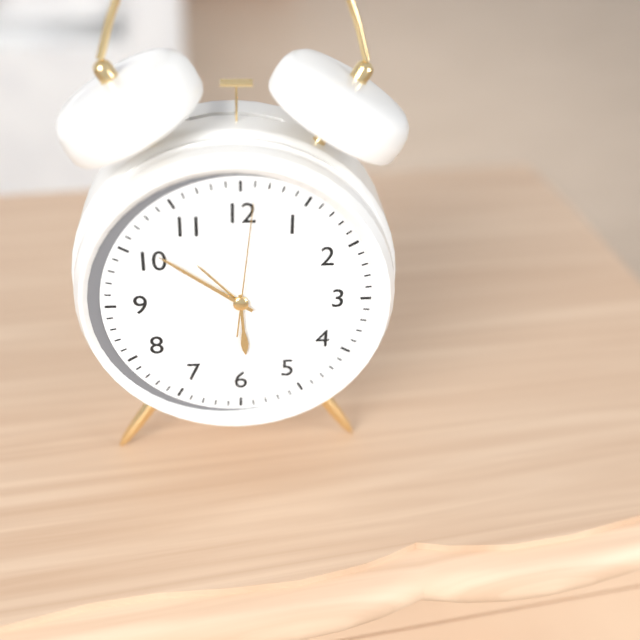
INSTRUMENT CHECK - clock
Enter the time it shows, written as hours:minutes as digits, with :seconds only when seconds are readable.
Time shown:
5:51:01
